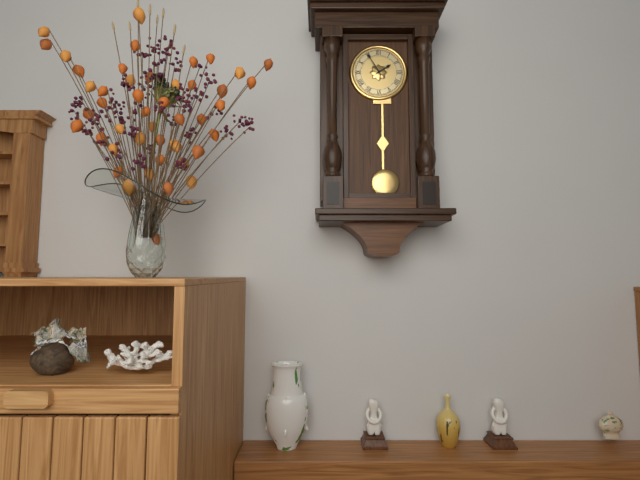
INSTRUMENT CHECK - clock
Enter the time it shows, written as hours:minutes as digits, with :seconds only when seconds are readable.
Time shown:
1:55
